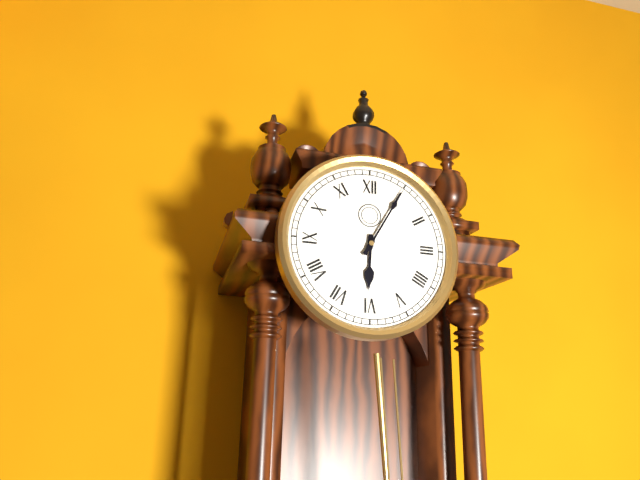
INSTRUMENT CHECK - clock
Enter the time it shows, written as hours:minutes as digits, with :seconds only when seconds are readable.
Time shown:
6:05
